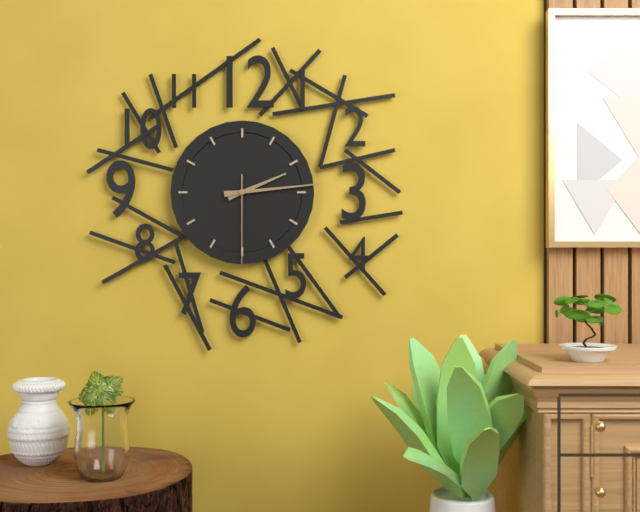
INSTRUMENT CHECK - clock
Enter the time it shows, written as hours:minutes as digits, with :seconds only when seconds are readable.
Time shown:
2:14:30
